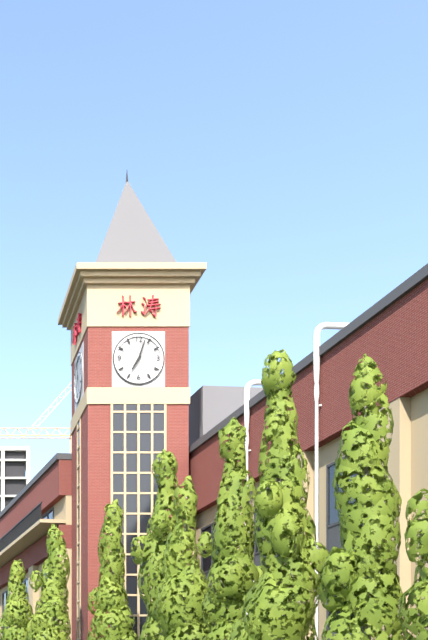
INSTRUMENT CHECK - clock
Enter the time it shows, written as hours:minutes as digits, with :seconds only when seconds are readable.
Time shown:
7:03
